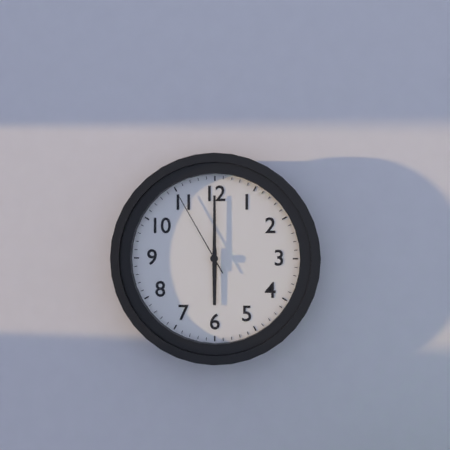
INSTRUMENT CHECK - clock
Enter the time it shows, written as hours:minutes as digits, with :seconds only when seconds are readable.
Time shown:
6:00:55
